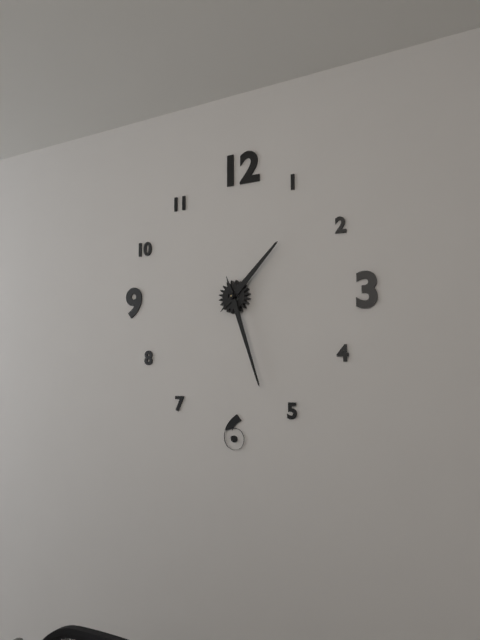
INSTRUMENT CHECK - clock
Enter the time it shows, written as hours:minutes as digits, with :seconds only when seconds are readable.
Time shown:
1:27
